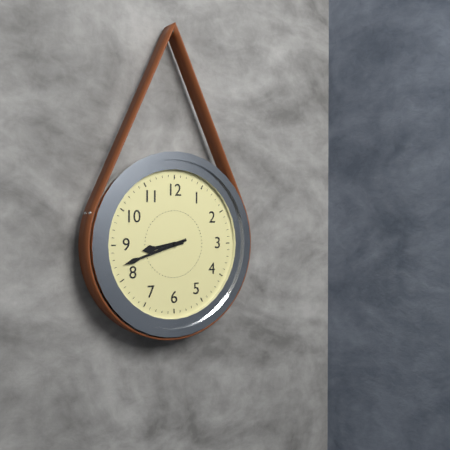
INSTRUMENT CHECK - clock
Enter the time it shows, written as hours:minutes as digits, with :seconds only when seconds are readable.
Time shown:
8:42
